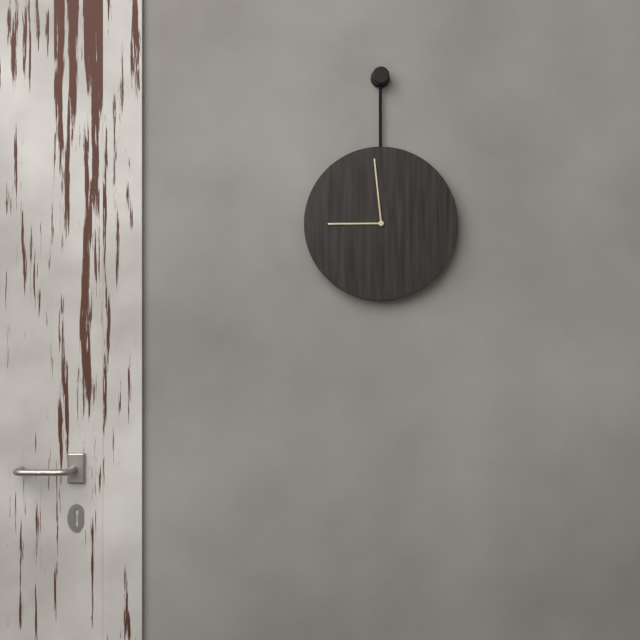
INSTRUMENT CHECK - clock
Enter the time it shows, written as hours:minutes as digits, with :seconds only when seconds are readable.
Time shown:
8:59
